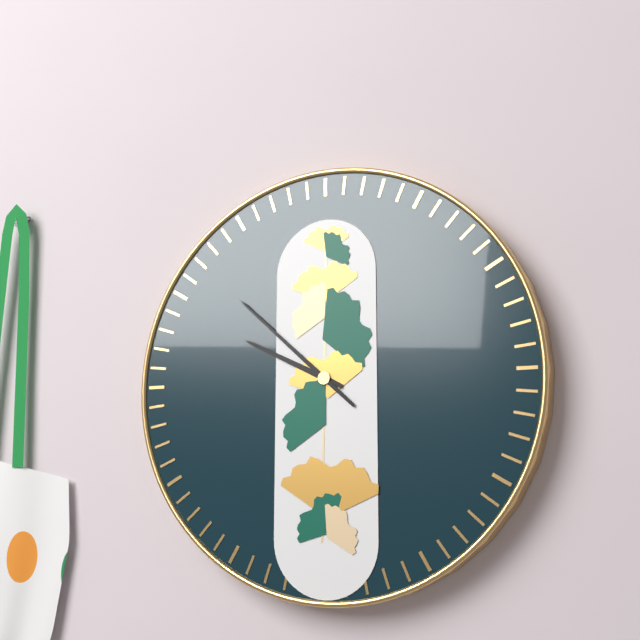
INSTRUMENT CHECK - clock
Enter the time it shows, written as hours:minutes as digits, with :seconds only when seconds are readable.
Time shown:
9:52
